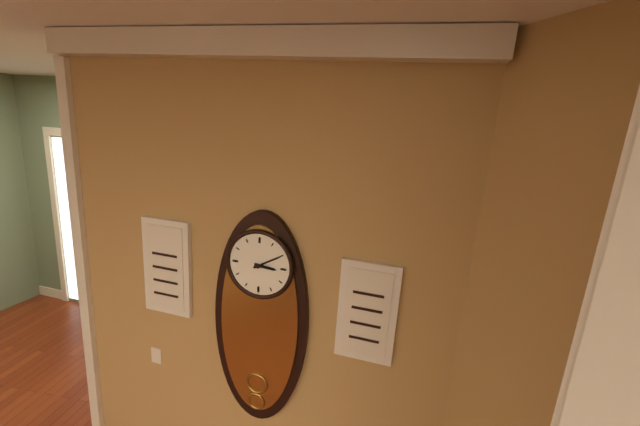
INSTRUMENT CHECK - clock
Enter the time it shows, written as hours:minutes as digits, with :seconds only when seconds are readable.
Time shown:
3:10
